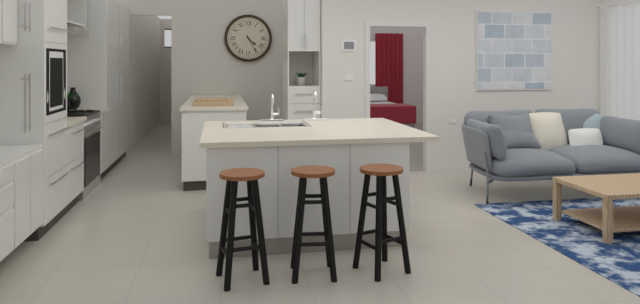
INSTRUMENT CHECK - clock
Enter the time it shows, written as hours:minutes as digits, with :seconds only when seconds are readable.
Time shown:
4:25
